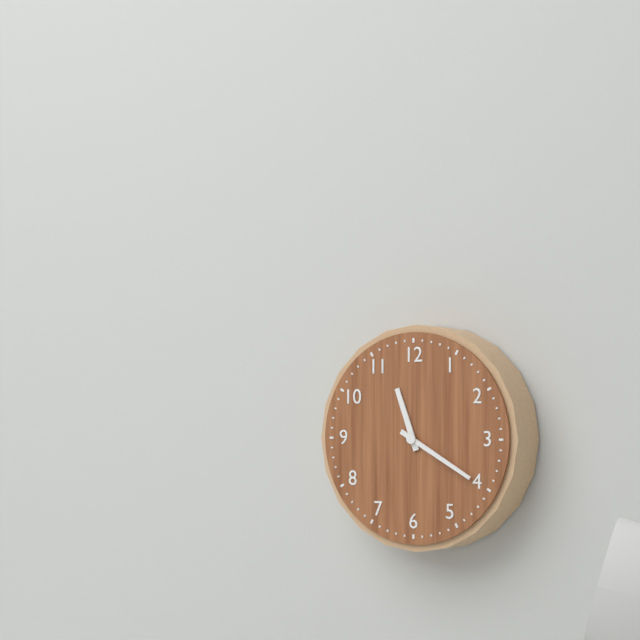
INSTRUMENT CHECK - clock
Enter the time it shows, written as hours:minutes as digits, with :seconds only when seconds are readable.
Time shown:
11:20
